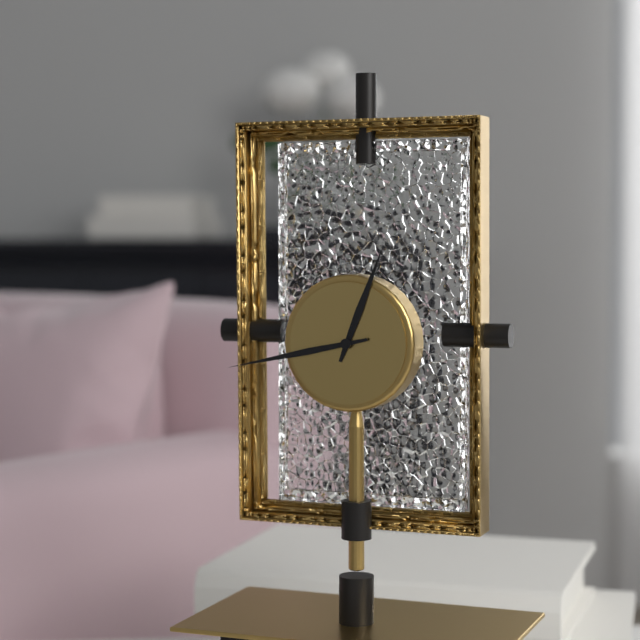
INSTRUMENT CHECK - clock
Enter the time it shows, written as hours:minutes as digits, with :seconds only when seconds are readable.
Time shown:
12:43
